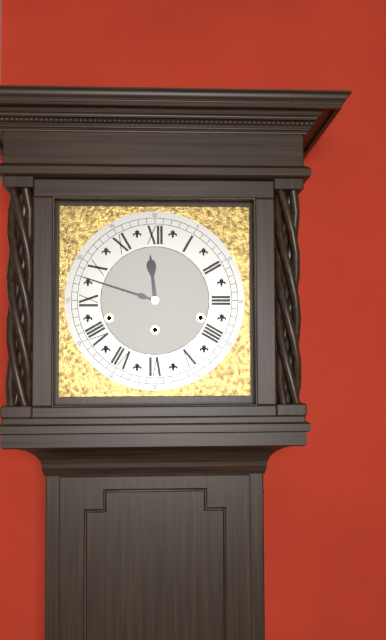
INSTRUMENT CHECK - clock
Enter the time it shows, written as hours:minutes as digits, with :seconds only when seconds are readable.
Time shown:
11:48
